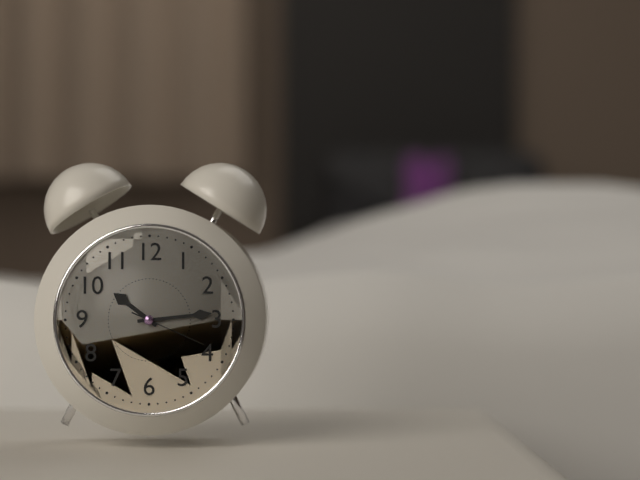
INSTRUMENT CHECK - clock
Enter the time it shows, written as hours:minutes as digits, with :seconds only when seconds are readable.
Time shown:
10:14:19
